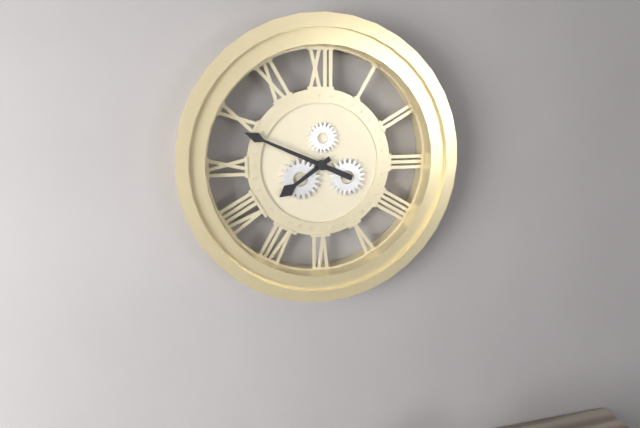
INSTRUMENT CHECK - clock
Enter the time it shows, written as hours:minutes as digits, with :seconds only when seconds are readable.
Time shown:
7:49
